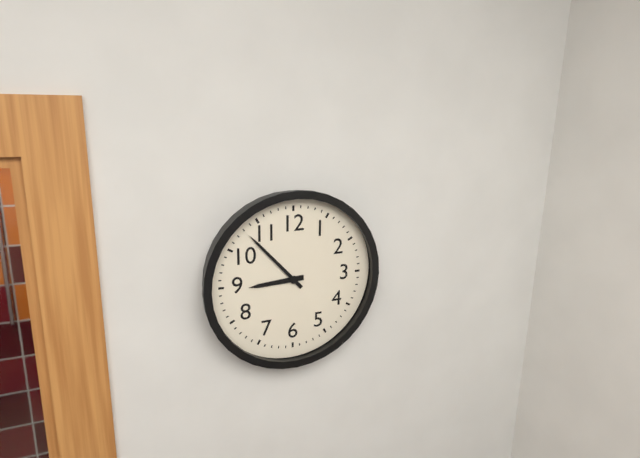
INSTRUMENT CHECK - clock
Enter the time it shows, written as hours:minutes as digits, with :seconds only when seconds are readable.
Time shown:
8:53
